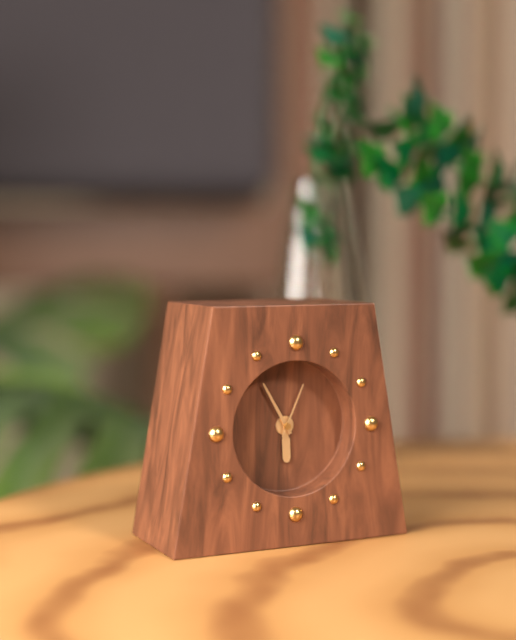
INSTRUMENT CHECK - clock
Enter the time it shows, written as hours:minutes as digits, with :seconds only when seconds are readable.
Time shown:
5:55:04
